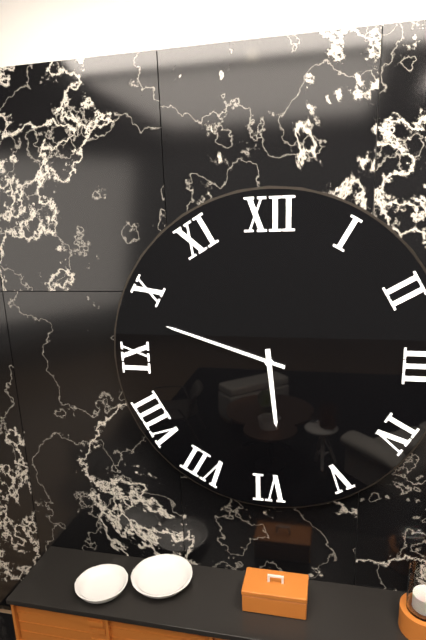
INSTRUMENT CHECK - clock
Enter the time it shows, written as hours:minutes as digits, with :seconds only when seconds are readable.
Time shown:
5:48
